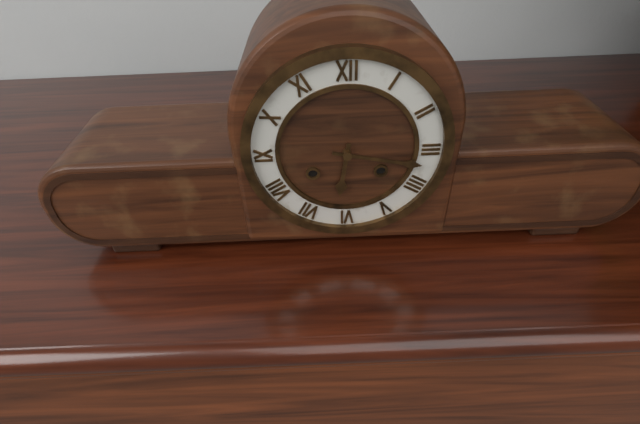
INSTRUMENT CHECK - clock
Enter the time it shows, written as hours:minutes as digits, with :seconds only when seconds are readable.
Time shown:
6:17
